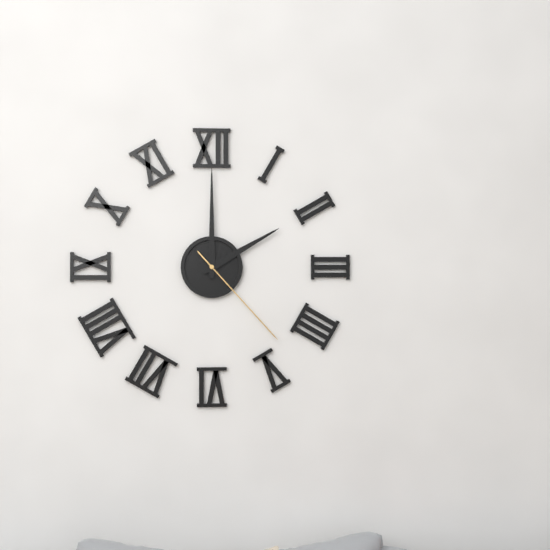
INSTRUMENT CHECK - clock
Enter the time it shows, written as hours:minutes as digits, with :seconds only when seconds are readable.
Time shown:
2:00:23
